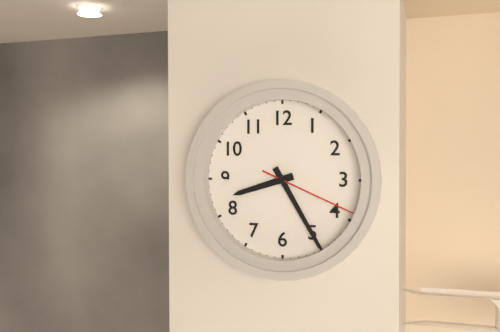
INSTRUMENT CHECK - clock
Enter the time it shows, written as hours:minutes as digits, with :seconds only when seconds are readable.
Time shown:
8:25:19
